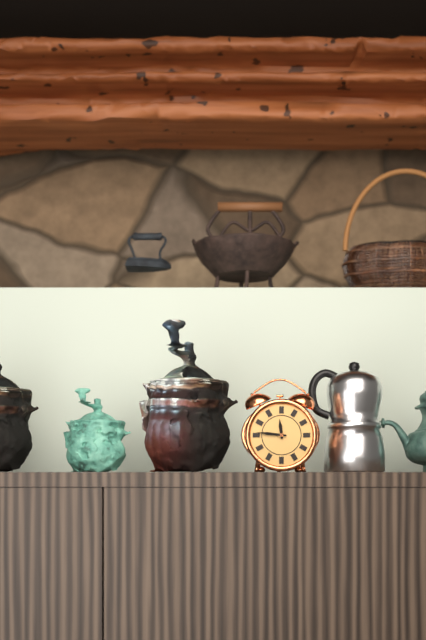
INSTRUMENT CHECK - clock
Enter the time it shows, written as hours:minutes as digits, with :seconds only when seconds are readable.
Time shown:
11:46
